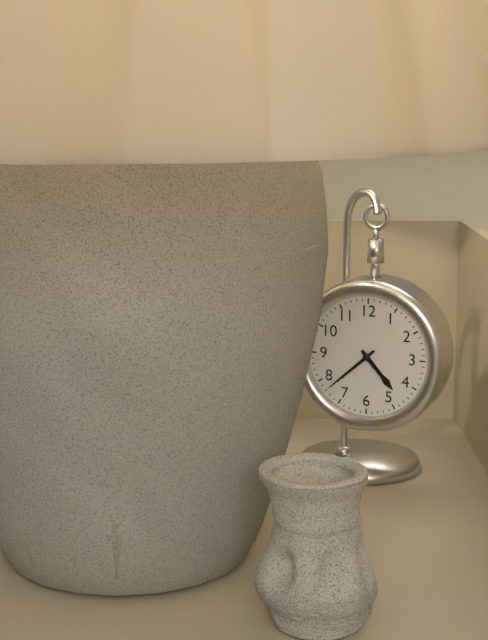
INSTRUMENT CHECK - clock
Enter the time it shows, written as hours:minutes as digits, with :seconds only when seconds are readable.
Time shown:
4:38
